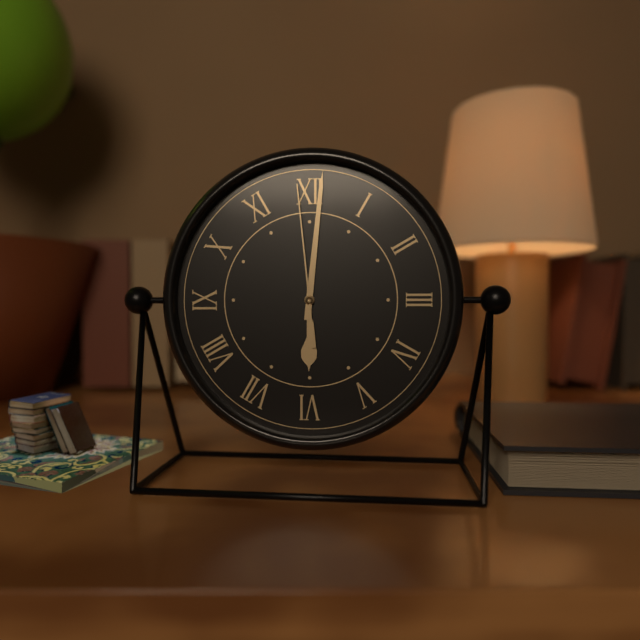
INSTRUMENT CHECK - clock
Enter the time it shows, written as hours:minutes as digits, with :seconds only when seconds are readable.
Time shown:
6:01:59
